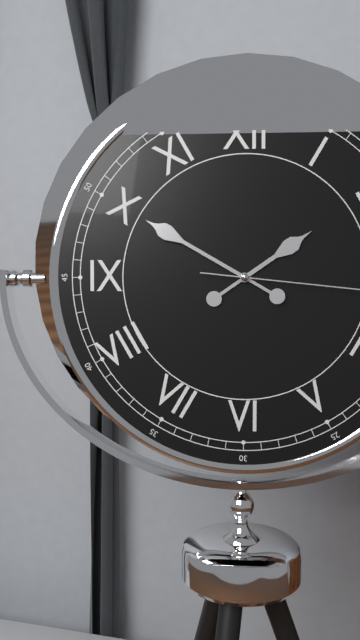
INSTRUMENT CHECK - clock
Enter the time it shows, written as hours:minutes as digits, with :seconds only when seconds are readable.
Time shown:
1:50
